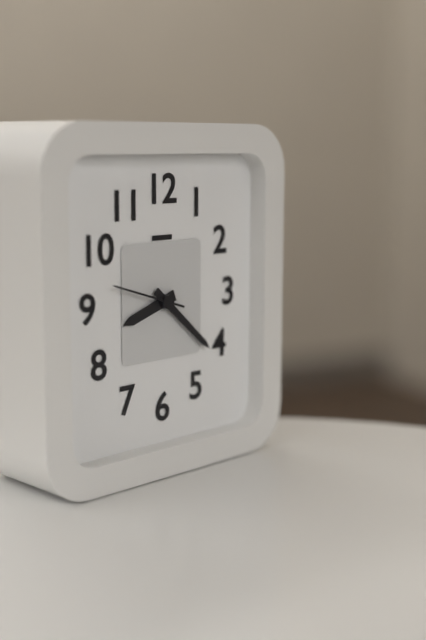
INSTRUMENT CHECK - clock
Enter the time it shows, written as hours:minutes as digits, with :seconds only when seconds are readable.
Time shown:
8:22:48
